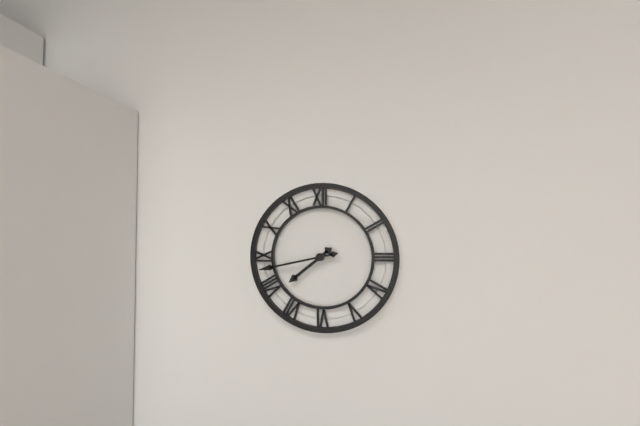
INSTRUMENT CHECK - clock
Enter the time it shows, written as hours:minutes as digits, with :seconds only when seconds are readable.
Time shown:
7:43
